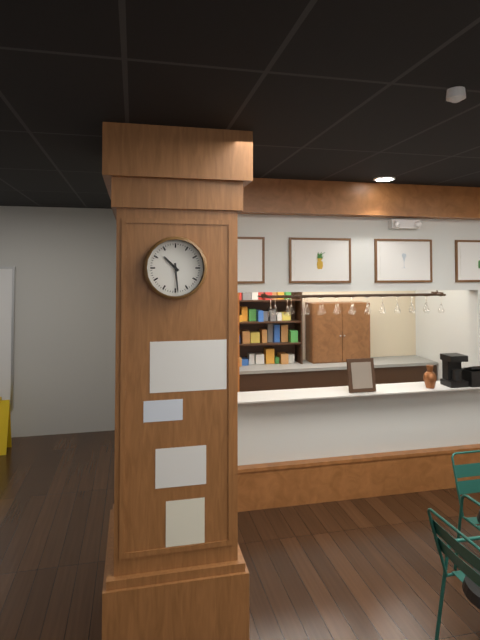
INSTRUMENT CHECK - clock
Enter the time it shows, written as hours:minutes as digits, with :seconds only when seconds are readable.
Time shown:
10:29
